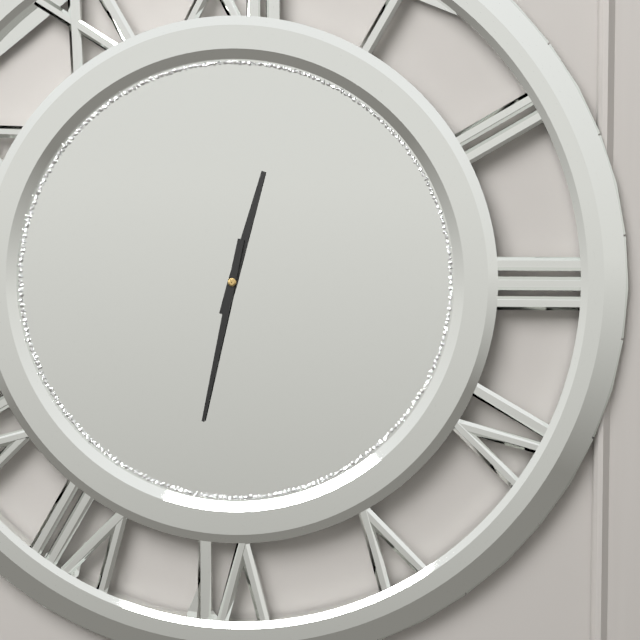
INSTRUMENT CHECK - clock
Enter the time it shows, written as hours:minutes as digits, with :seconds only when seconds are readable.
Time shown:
12:32
